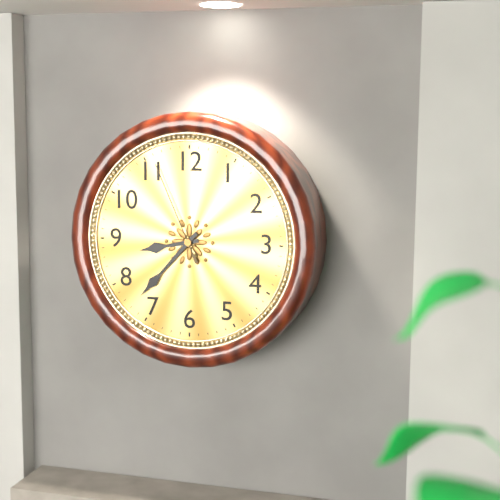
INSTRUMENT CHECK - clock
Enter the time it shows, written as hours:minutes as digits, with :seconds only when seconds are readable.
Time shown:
8:37:56
